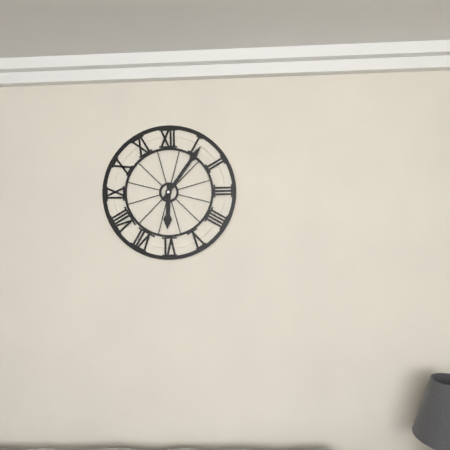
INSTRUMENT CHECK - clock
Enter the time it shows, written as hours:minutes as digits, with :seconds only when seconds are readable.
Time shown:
6:06
